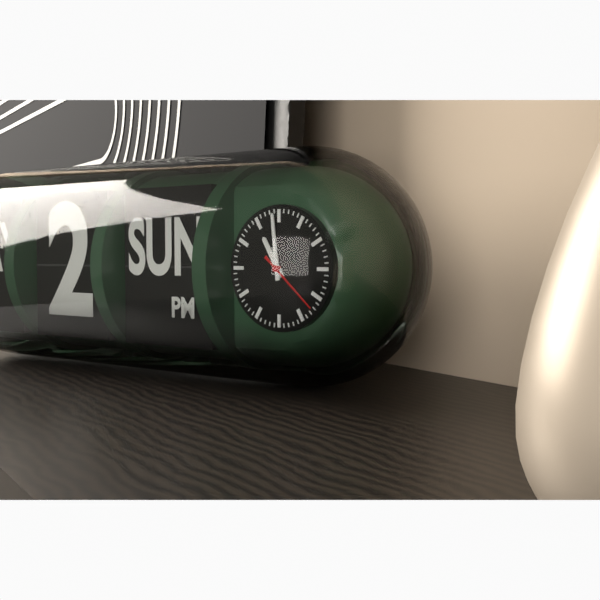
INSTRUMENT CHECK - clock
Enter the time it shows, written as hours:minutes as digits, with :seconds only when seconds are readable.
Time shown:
10:59:22
